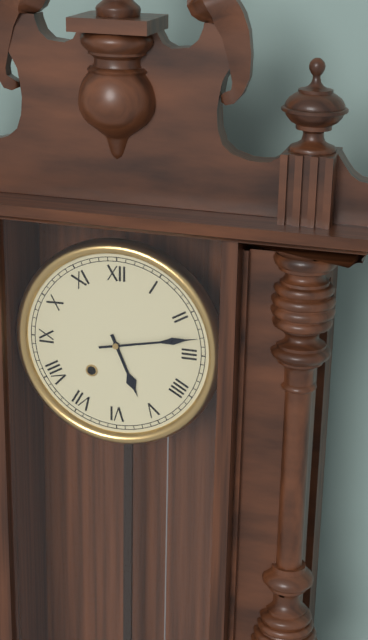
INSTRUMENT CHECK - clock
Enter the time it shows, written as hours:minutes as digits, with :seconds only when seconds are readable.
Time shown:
5:13
